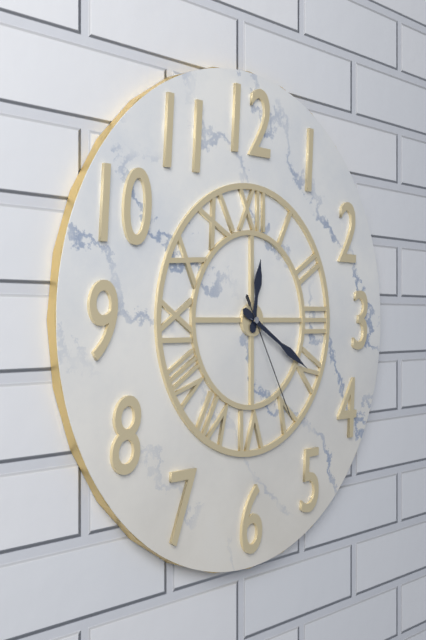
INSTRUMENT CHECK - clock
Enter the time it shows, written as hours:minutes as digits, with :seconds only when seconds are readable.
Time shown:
12:20:25
